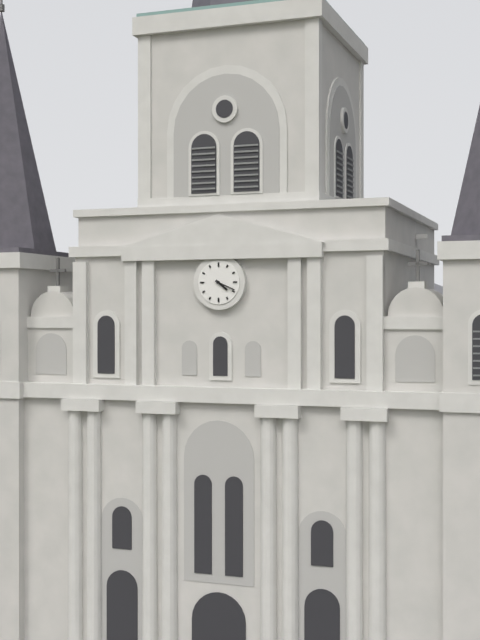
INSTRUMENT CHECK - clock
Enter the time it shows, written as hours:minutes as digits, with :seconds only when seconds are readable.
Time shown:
4:19
